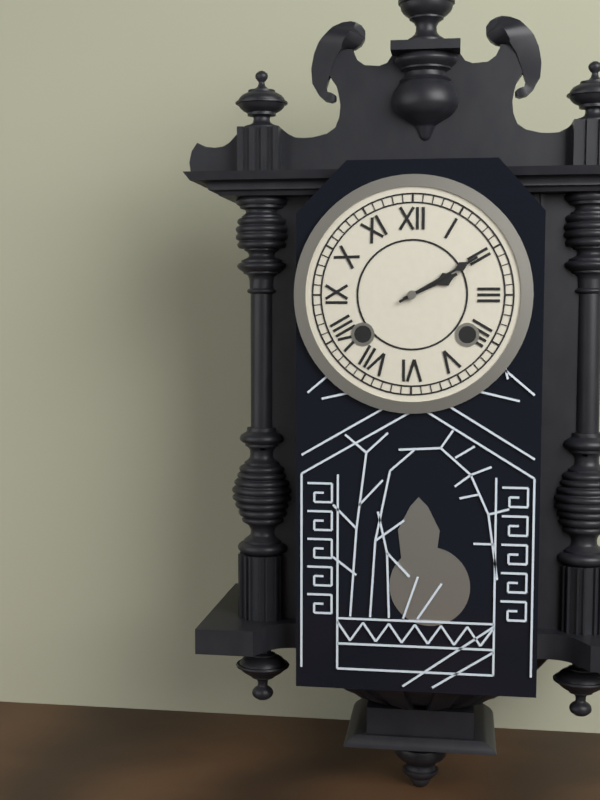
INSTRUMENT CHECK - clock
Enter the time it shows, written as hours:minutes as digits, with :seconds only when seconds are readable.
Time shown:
2:10
